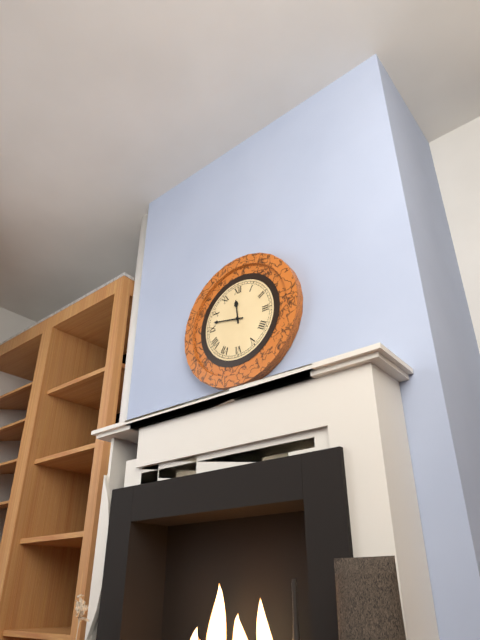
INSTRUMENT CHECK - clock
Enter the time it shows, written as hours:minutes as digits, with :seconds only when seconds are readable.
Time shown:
11:47
